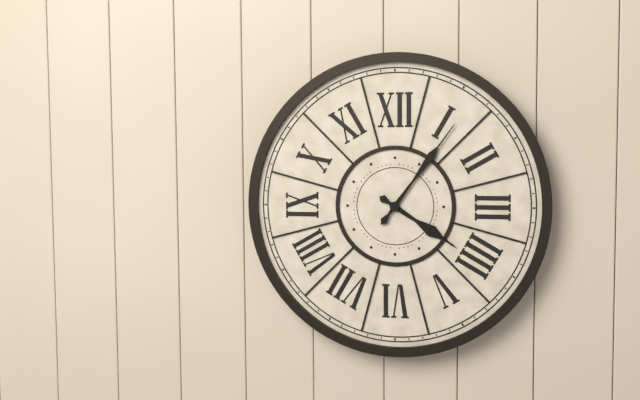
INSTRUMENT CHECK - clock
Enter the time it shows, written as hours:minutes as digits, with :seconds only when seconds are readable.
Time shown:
4:06
